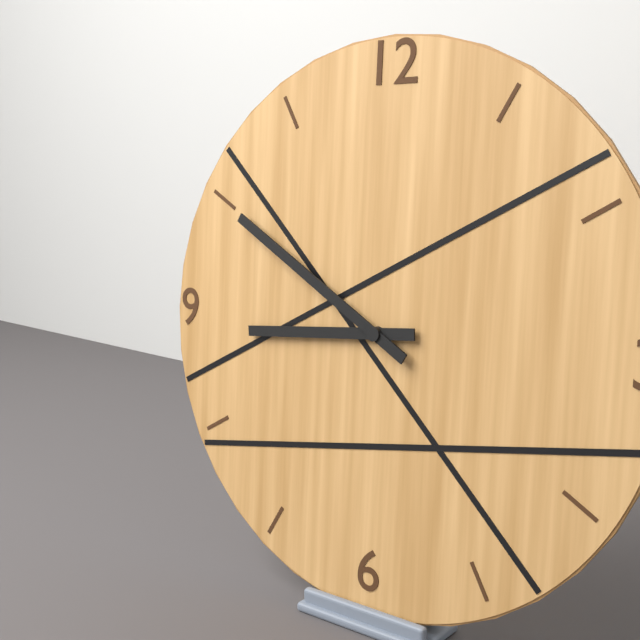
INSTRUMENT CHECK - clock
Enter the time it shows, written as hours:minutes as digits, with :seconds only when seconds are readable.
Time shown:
8:50
